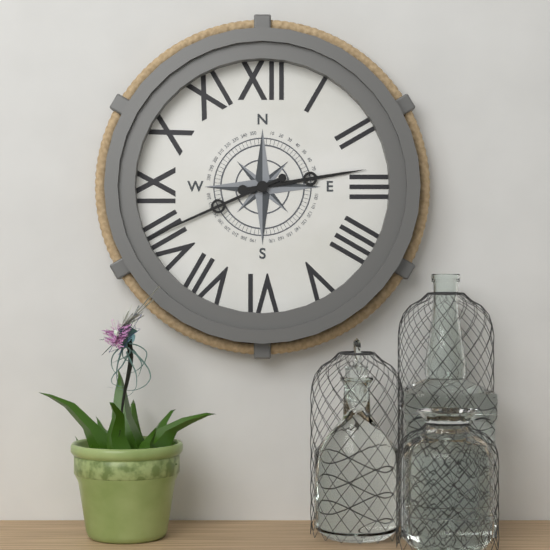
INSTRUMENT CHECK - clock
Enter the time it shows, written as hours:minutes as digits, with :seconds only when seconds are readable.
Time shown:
2:41
